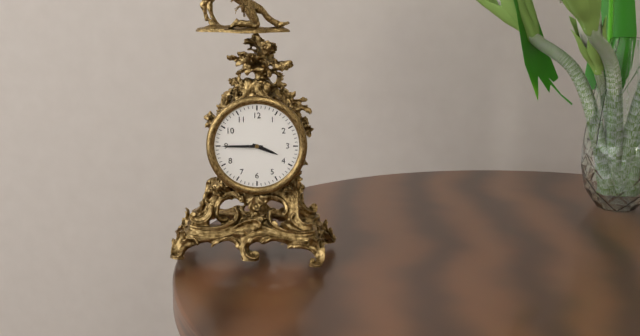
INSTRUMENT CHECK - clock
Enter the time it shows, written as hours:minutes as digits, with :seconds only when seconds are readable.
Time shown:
3:45
